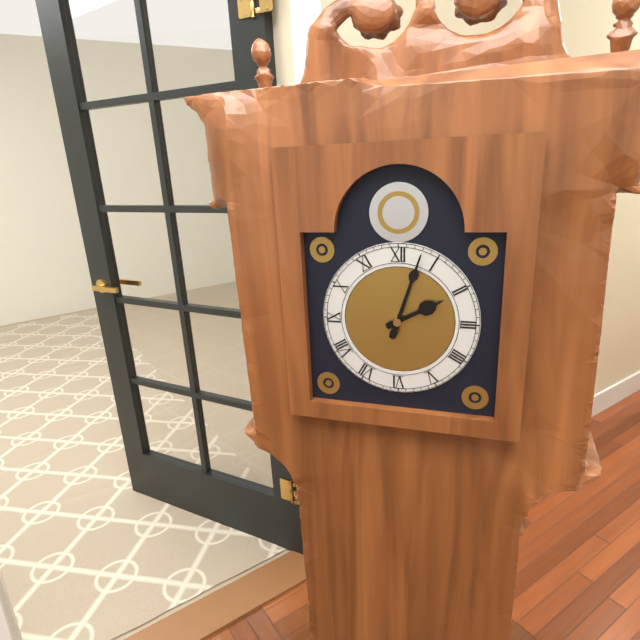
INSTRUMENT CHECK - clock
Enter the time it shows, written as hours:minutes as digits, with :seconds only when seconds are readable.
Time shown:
2:03
